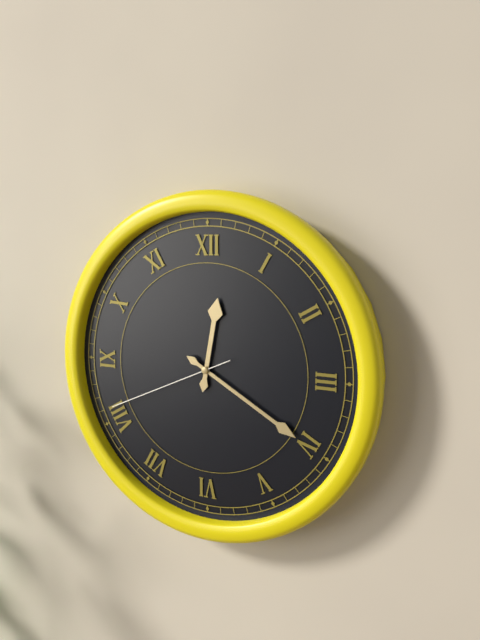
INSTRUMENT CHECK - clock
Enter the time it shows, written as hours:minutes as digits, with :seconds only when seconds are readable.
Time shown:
12:20:41
